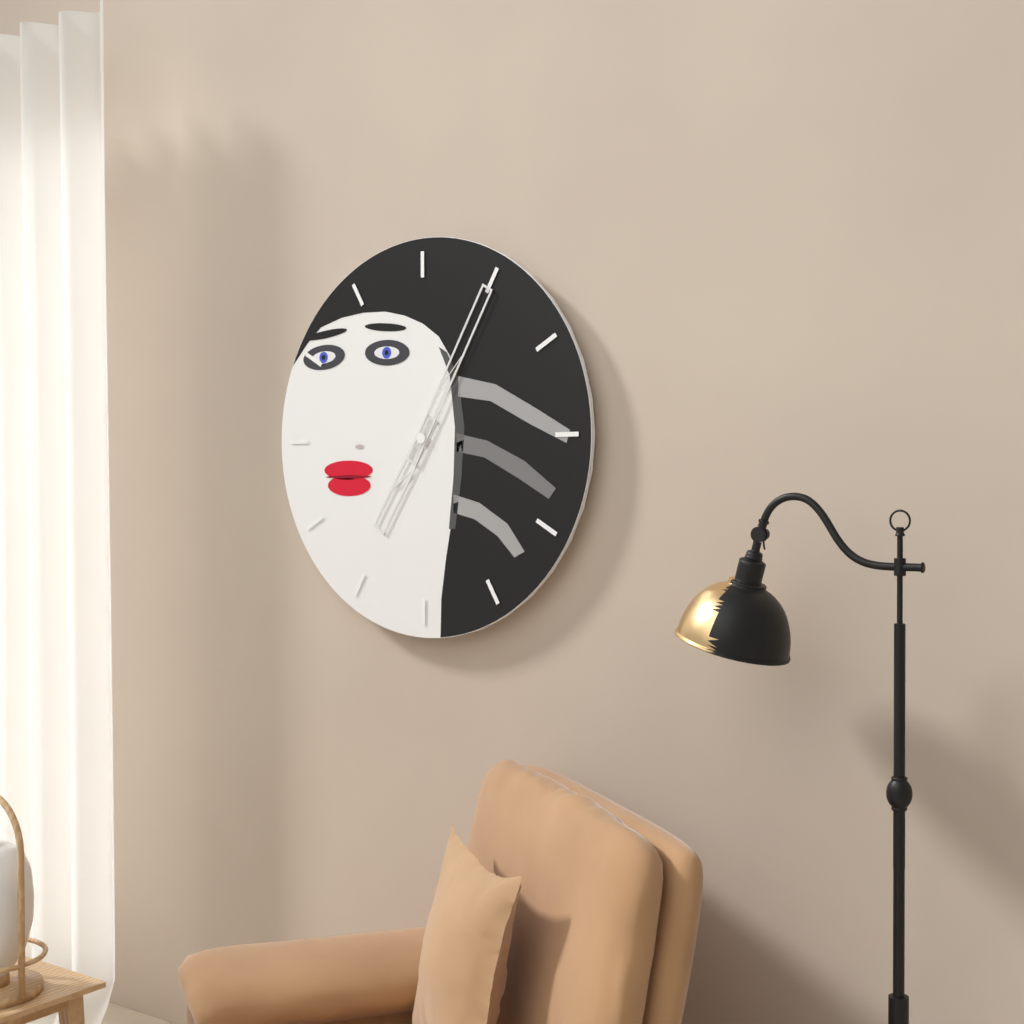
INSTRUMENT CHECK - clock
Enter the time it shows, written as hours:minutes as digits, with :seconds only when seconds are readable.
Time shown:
7:05
